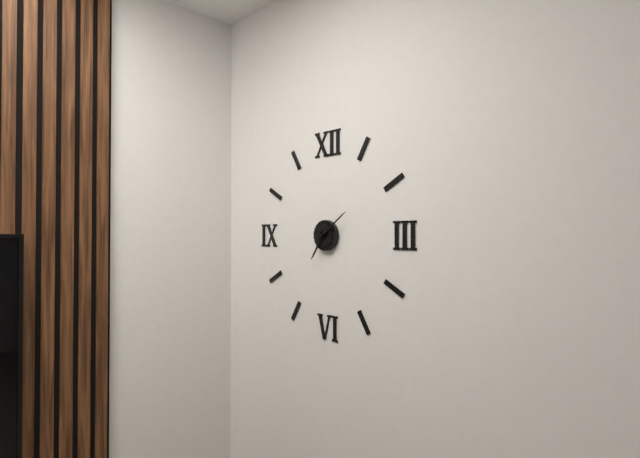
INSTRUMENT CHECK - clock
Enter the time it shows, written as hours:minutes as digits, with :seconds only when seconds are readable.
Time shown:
7:09
